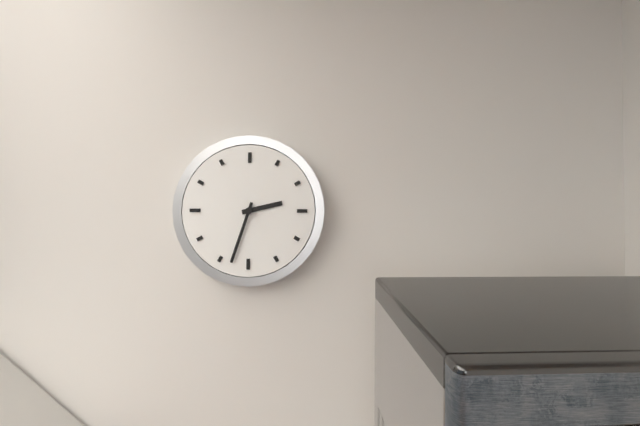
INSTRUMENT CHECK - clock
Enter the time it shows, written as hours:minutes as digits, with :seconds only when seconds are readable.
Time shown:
2:33
